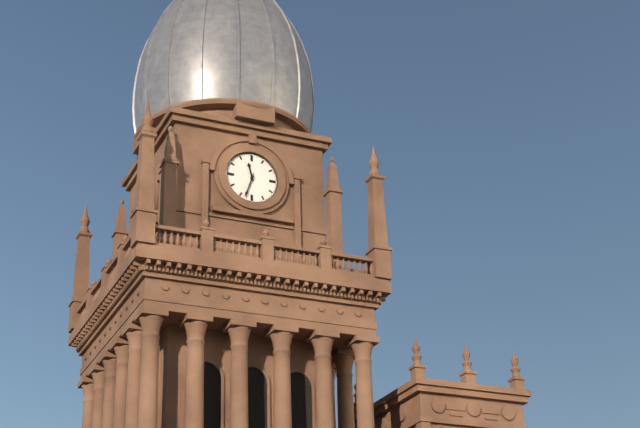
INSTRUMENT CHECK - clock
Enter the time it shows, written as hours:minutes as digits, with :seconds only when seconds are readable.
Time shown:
11:33
